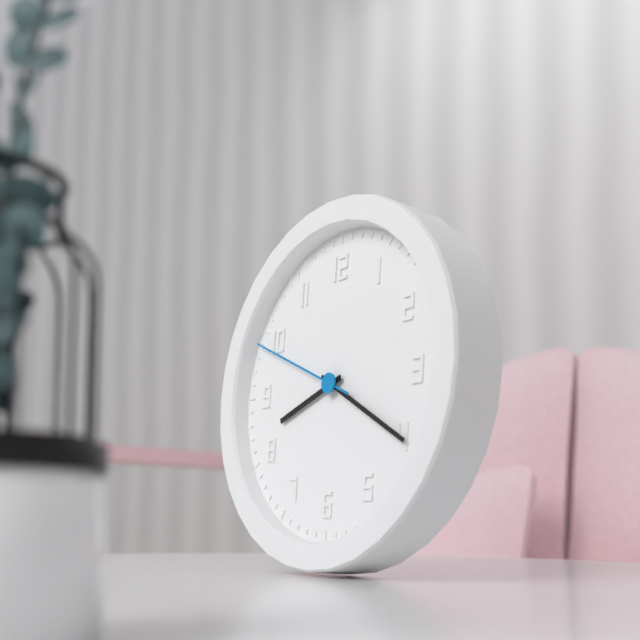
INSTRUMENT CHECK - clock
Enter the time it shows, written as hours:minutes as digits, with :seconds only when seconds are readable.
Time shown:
8:20:49
